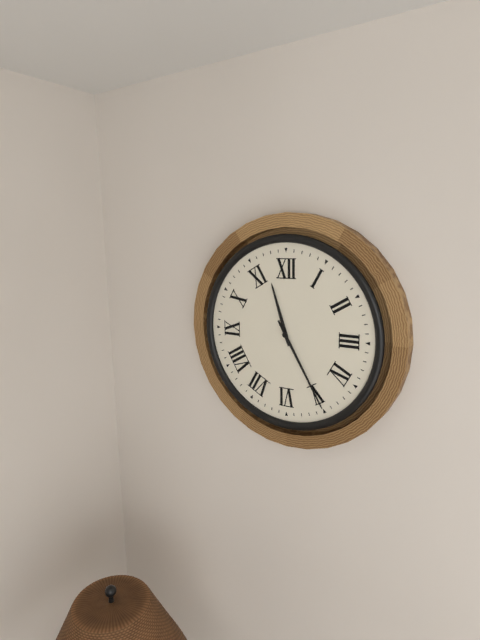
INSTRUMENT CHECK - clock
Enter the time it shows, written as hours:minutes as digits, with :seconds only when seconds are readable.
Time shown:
11:25
